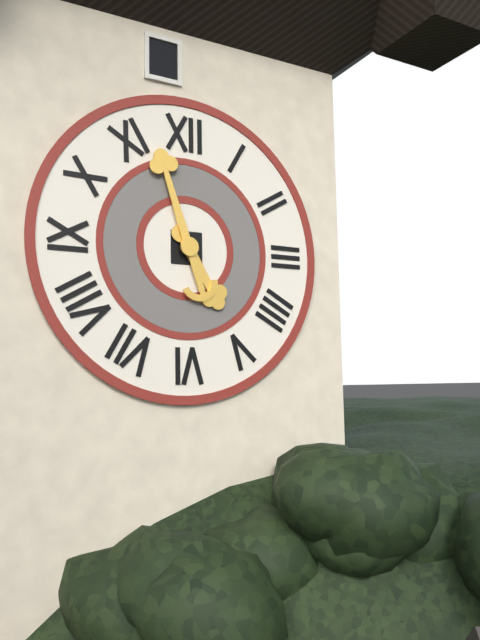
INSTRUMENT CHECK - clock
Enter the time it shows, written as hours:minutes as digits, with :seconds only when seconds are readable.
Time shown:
4:57
